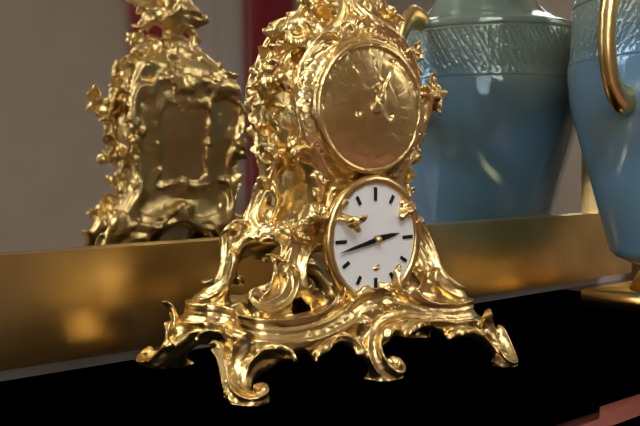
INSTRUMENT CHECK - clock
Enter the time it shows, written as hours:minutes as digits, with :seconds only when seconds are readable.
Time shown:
2:43
